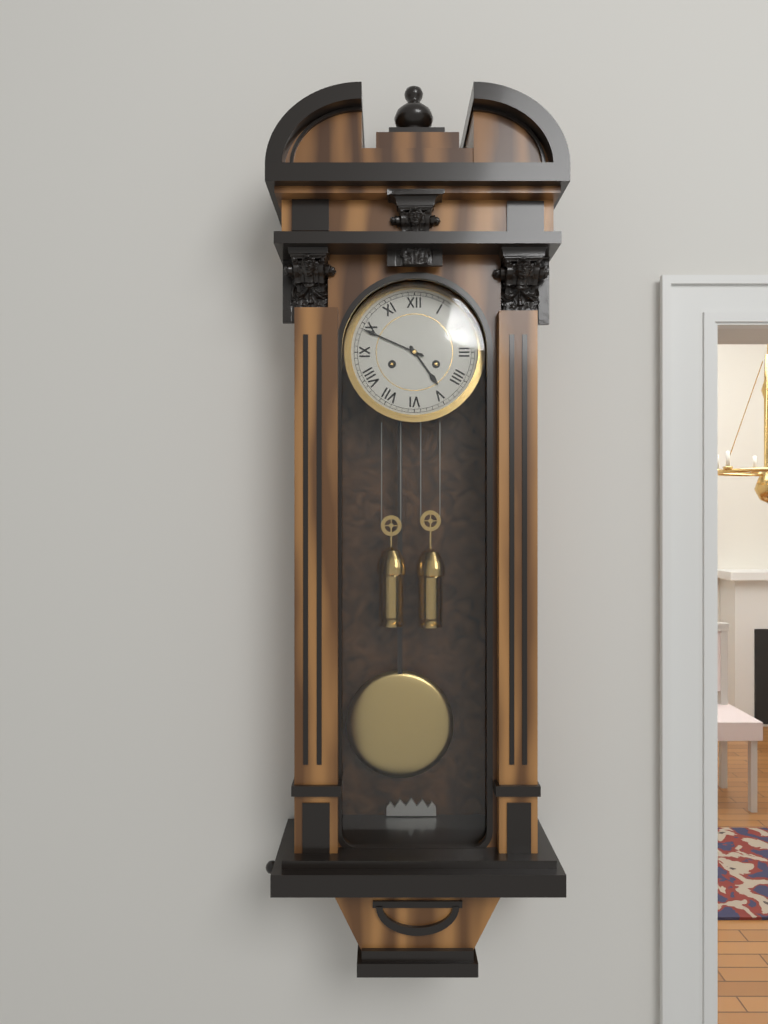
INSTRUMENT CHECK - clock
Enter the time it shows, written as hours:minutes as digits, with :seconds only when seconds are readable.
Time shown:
4:49
